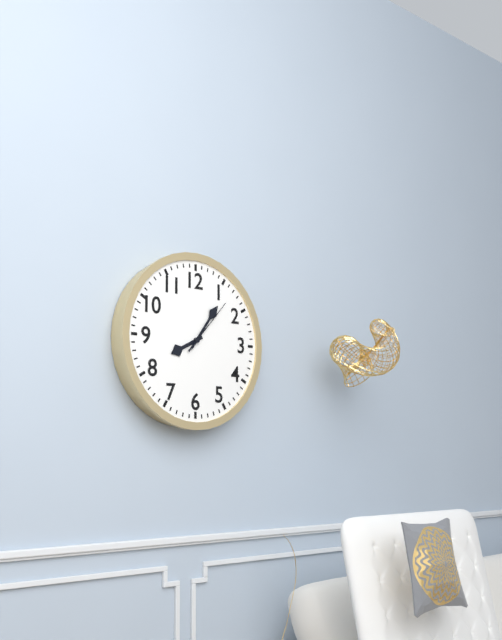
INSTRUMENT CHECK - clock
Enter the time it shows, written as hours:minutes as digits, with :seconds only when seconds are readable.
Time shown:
8:06:07
